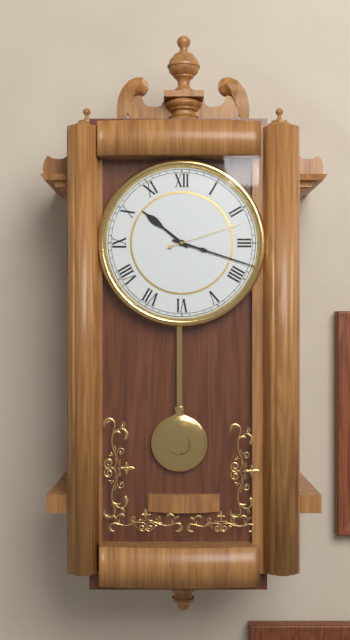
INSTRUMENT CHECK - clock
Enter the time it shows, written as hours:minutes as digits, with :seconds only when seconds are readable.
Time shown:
10:18:12
